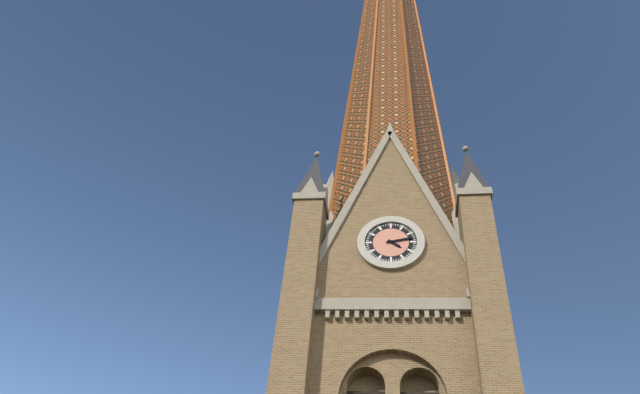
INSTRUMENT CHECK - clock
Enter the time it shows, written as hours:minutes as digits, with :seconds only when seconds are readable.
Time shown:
4:13
